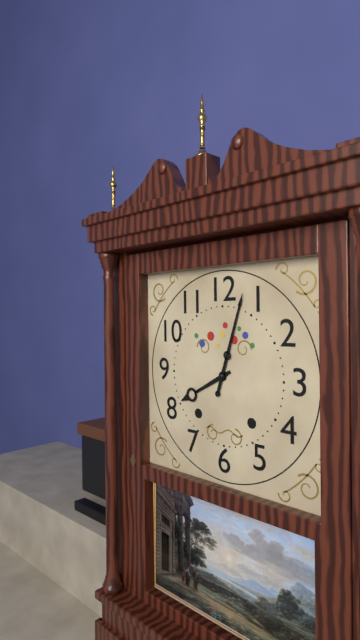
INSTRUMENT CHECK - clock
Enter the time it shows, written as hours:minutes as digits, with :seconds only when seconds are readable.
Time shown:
8:03
